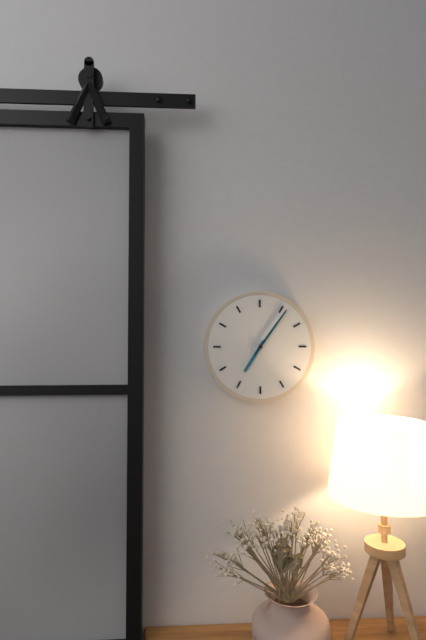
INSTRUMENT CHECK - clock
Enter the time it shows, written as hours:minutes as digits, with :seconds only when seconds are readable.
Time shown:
7:06:06
